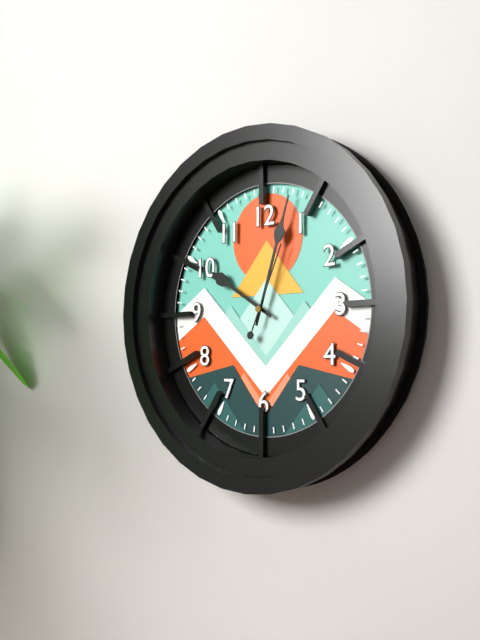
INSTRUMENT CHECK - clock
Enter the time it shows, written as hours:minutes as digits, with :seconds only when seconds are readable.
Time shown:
10:03:04
